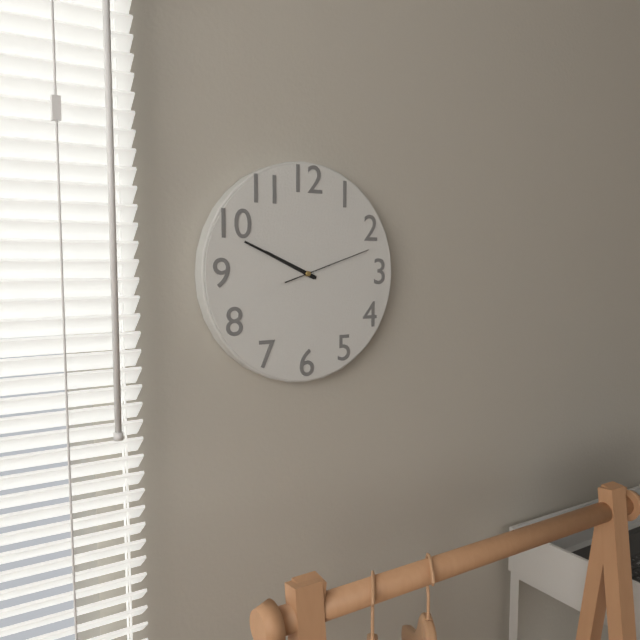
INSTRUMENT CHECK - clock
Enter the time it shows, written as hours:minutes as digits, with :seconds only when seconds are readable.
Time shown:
9:49:12
